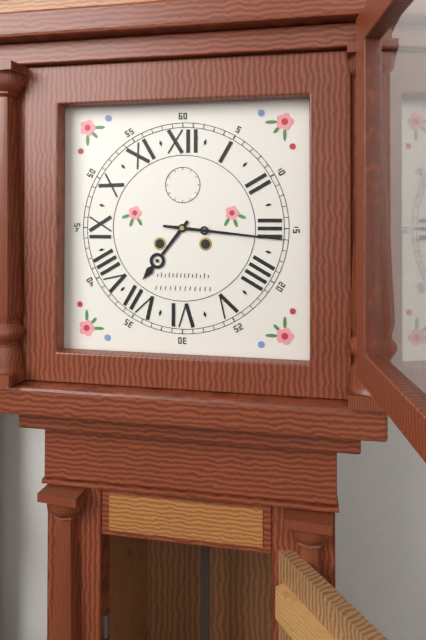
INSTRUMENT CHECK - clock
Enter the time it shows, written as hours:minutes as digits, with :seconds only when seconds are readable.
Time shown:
7:16
